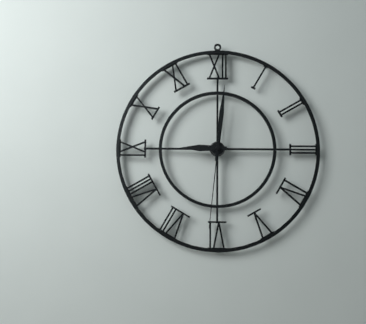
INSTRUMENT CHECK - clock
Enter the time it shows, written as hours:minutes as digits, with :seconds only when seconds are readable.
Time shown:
9:01:31
